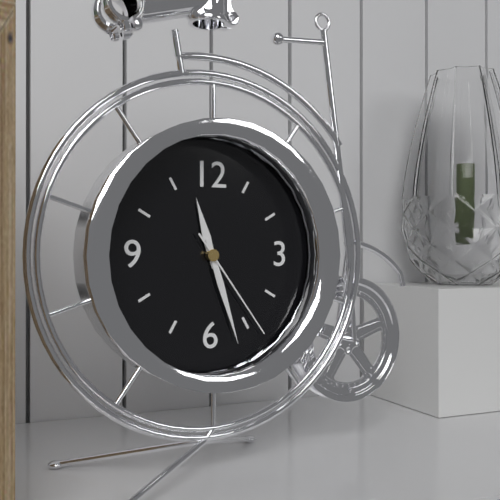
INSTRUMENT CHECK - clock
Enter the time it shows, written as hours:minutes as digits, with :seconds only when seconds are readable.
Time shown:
11:27:24
